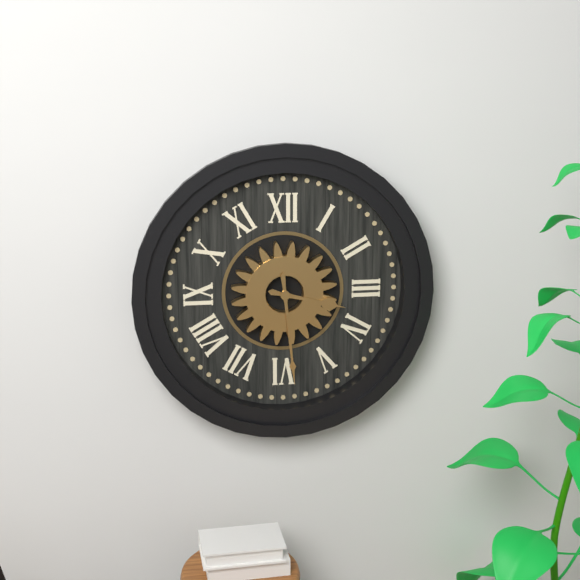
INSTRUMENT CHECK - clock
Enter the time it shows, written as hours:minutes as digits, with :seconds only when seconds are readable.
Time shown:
3:29
